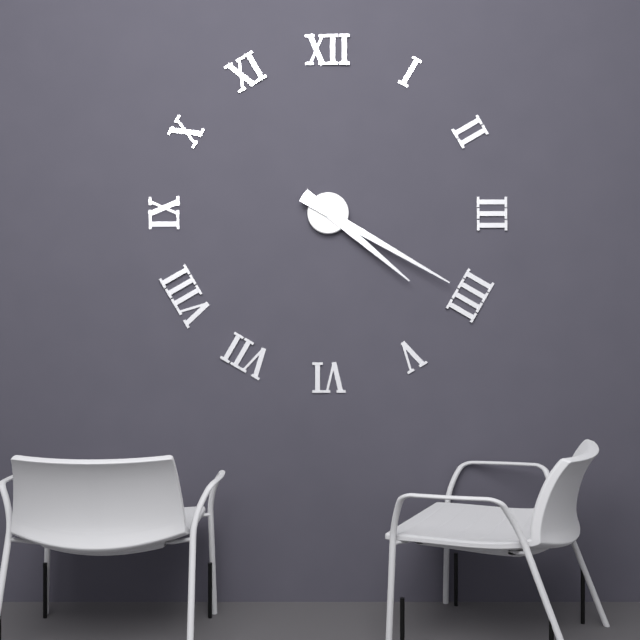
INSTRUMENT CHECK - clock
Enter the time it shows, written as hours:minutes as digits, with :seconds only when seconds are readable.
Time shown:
4:20
